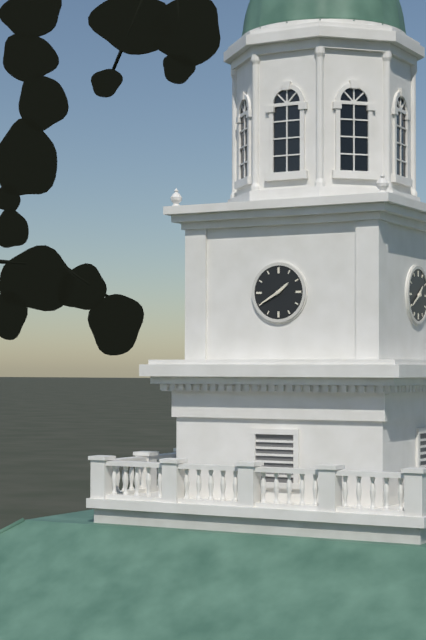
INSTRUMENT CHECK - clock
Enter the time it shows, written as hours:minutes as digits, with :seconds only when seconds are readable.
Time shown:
1:40
